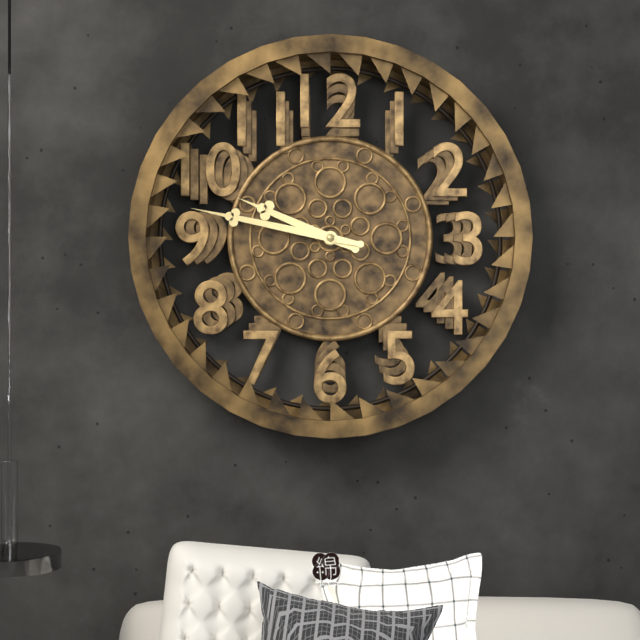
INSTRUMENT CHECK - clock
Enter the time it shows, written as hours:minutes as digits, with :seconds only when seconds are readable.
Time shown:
9:47
